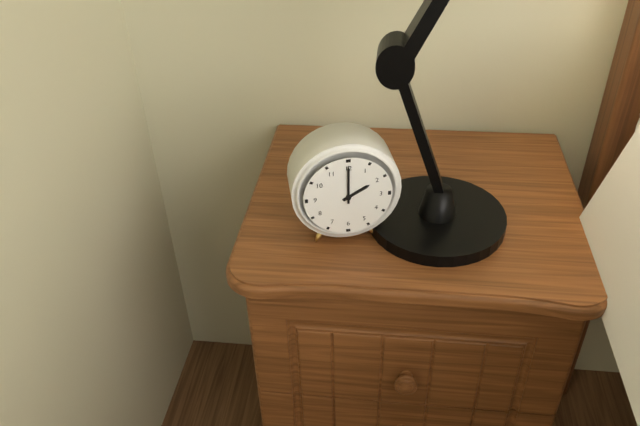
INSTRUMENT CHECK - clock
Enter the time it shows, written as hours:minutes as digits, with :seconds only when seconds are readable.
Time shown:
2:00
